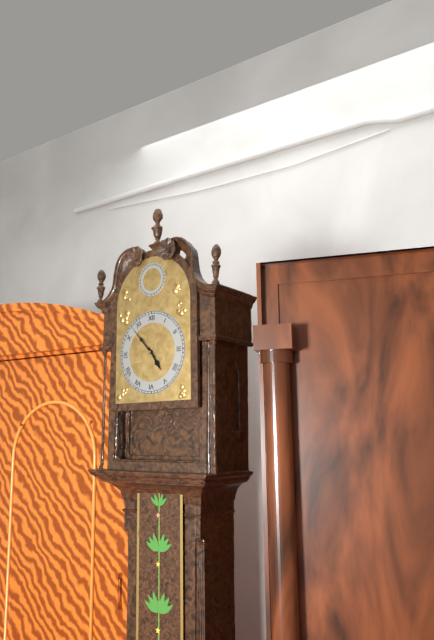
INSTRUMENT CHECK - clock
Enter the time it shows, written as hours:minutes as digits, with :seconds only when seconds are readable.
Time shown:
4:53
